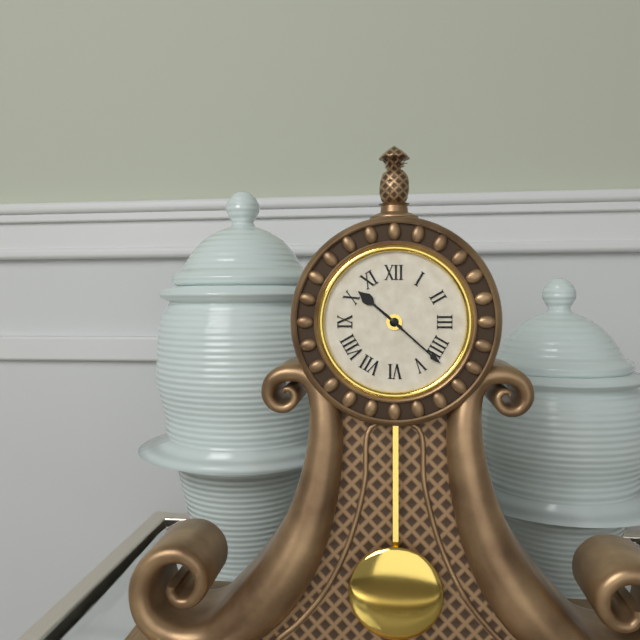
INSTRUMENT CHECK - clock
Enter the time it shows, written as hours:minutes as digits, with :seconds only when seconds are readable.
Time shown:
10:22
